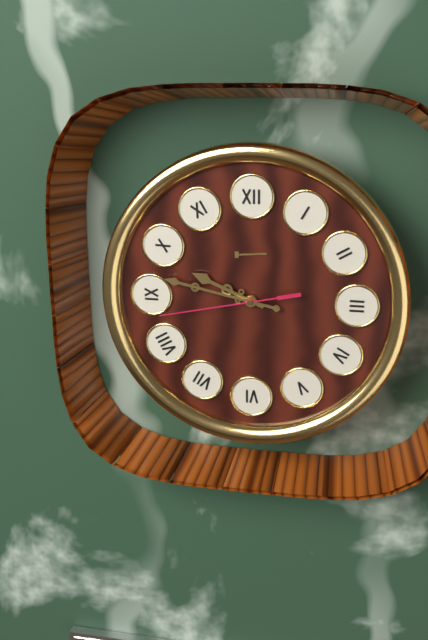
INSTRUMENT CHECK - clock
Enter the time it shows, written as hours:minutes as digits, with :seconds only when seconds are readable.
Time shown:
9:47:43
